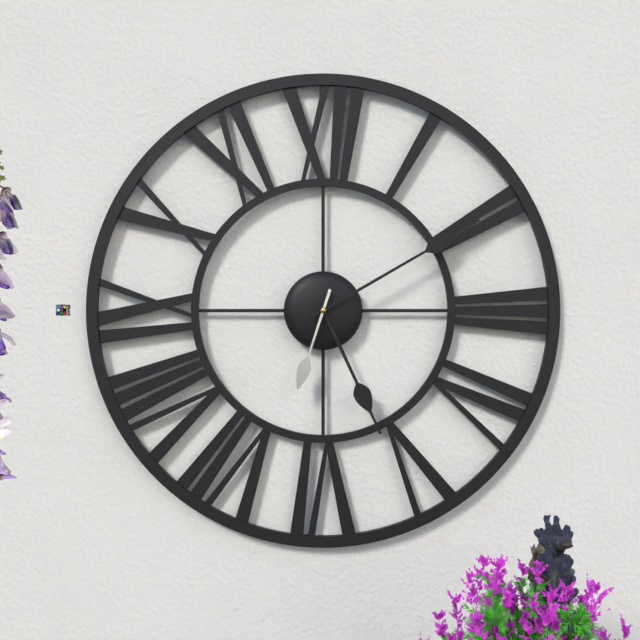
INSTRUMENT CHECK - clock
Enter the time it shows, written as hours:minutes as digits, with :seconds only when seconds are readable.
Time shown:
5:10:33
